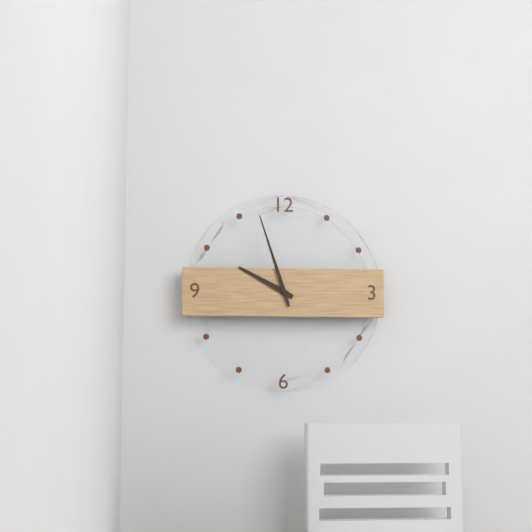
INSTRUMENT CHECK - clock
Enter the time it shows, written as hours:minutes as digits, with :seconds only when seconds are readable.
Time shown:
9:57
